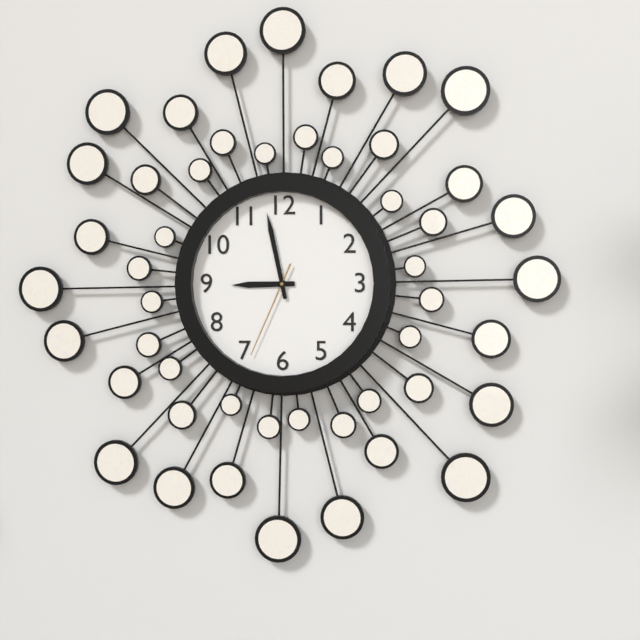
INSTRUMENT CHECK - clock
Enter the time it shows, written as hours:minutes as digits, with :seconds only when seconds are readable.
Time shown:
8:58:34
